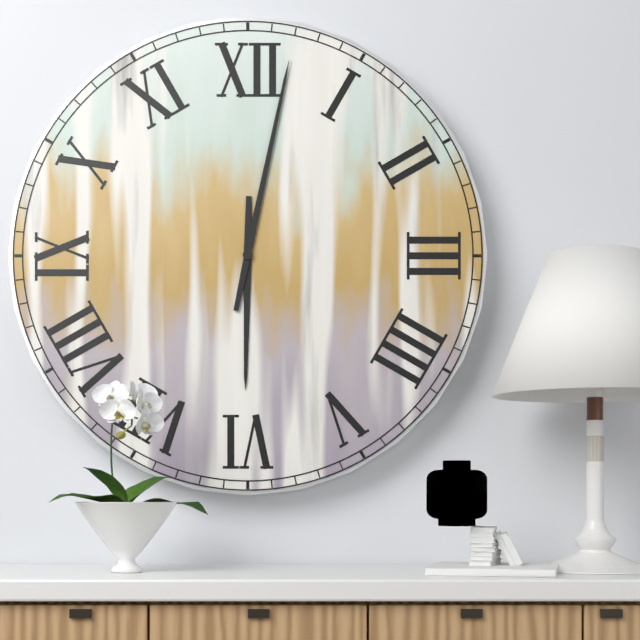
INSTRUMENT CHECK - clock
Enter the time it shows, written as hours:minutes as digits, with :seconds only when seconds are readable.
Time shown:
6:02
